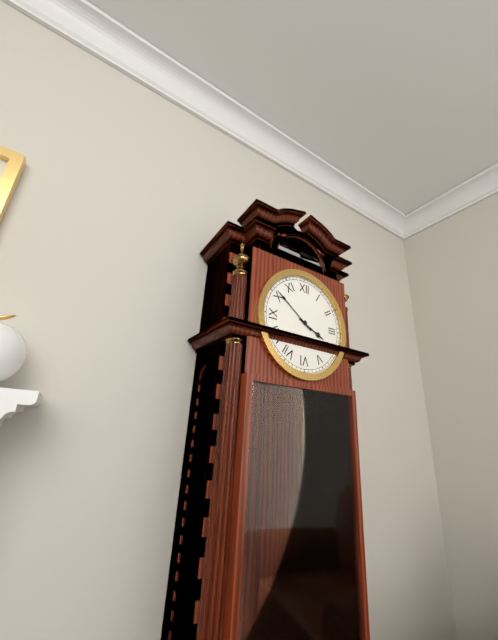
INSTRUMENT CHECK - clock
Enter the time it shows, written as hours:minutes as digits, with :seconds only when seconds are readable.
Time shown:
3:51
